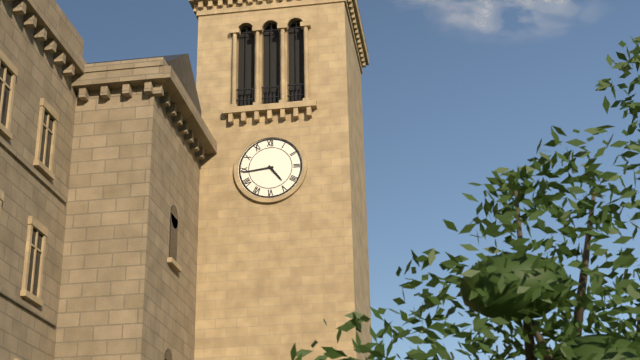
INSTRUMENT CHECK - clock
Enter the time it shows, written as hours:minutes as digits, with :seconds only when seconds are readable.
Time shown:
4:44
